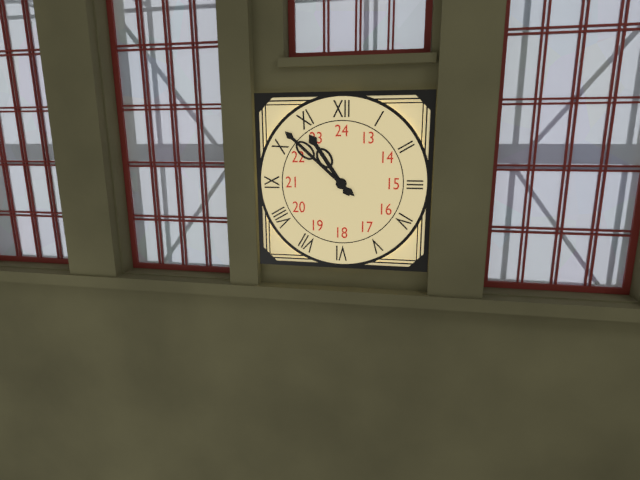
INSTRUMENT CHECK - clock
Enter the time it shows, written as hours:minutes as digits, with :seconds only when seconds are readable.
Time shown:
10:52
